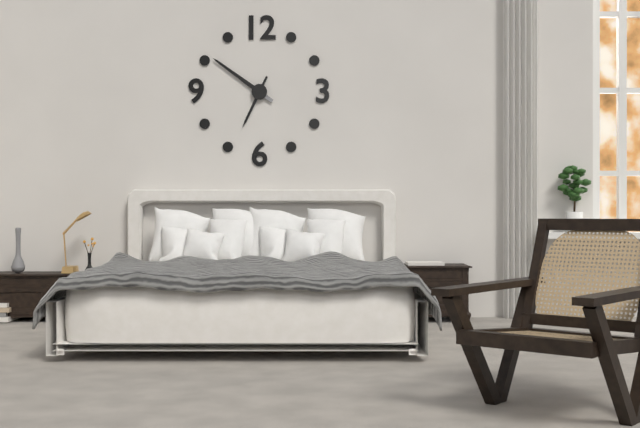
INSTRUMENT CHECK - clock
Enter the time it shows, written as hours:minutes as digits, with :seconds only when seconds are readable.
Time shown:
6:51
